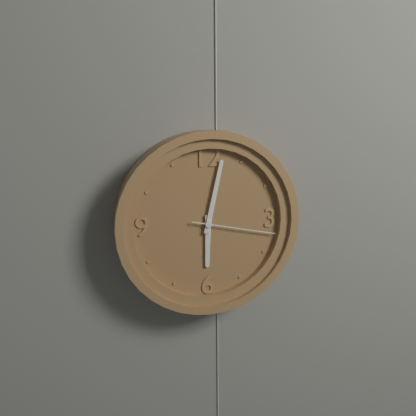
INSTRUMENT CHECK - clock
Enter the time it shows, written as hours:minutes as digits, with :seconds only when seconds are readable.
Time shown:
6:02:17
